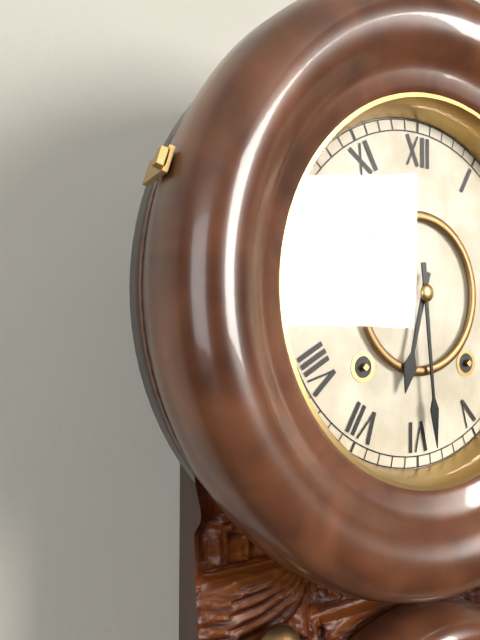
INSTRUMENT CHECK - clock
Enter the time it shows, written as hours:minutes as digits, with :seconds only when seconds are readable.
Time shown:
6:29
